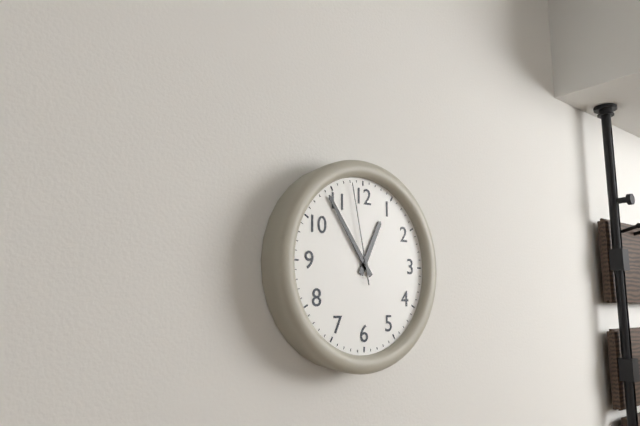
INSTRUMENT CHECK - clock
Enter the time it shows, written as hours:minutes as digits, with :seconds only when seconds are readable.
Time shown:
12:54:58
